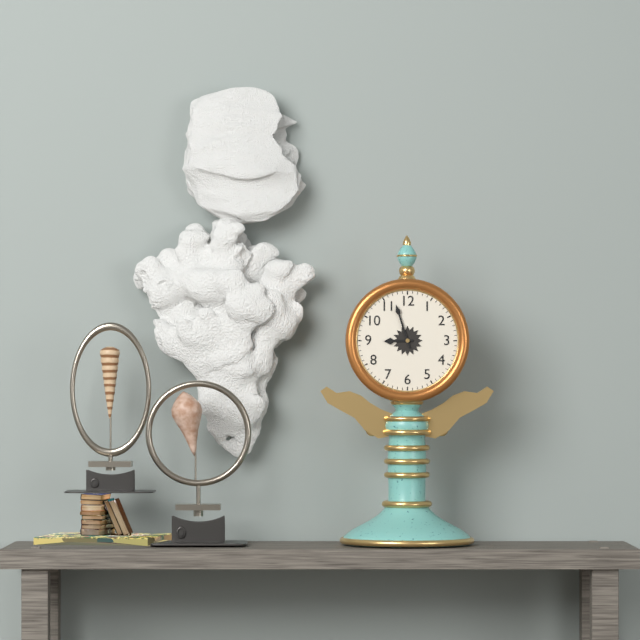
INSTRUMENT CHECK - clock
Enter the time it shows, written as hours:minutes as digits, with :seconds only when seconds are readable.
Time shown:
8:57
